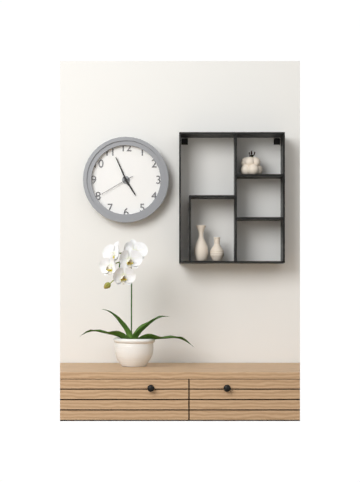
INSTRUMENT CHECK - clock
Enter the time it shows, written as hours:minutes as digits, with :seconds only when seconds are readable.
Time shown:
4:56
